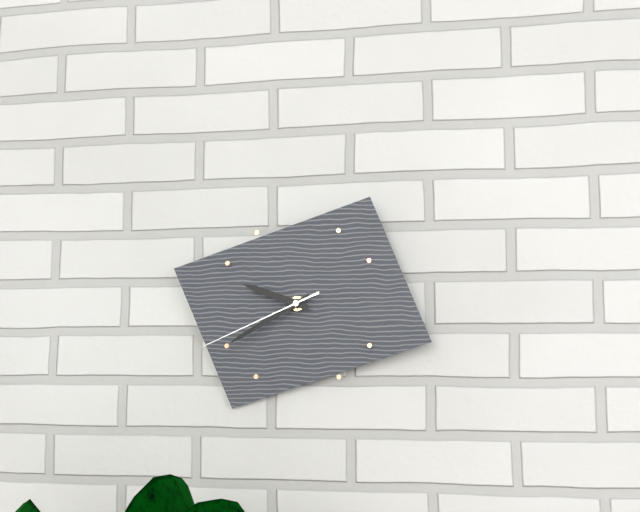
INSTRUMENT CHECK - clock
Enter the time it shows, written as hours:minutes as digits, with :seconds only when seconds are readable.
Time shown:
9:40:41
